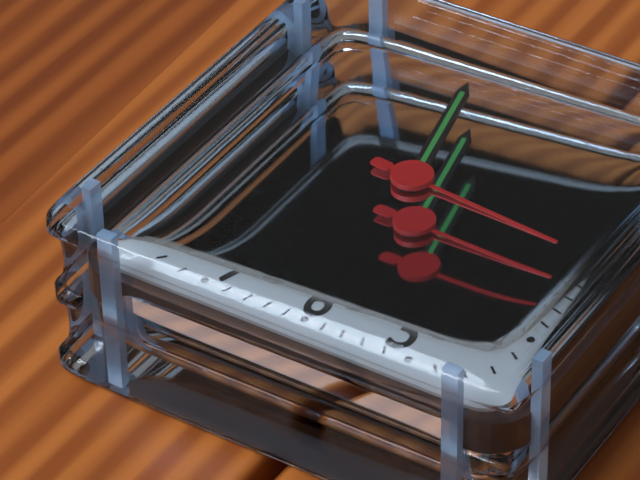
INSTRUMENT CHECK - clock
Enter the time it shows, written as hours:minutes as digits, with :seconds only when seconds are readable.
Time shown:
4:58:16
